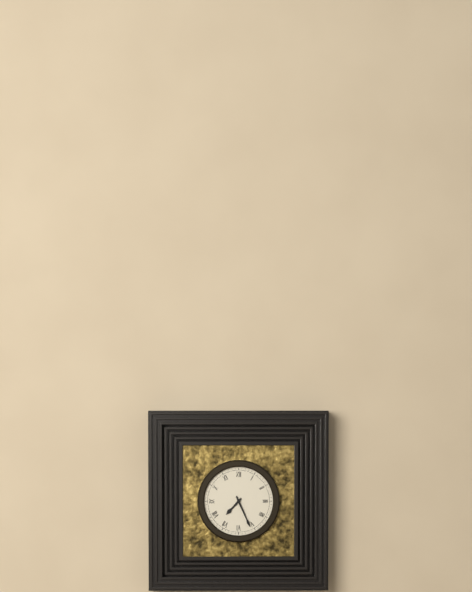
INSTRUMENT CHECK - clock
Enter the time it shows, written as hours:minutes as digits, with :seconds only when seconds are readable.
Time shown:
7:26
